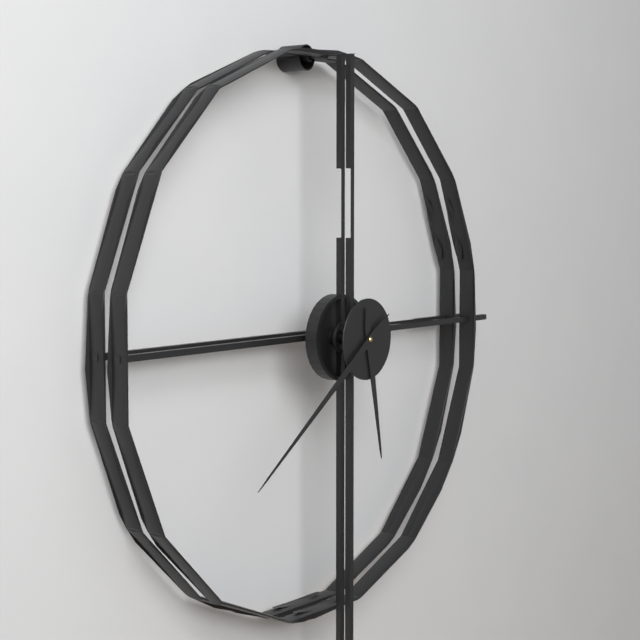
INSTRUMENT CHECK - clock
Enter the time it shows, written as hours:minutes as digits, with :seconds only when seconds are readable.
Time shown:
5:39
